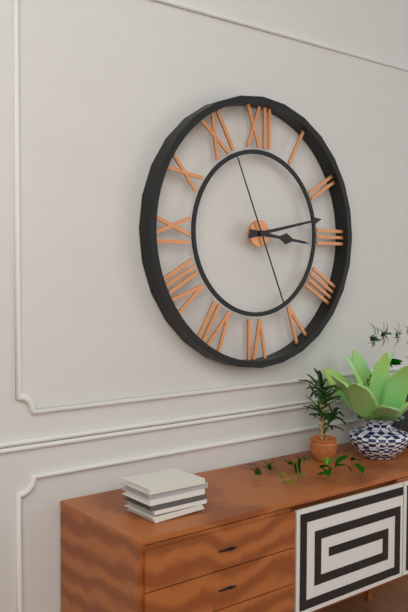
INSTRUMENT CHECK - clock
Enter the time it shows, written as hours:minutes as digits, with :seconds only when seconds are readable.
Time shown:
3:13:56
